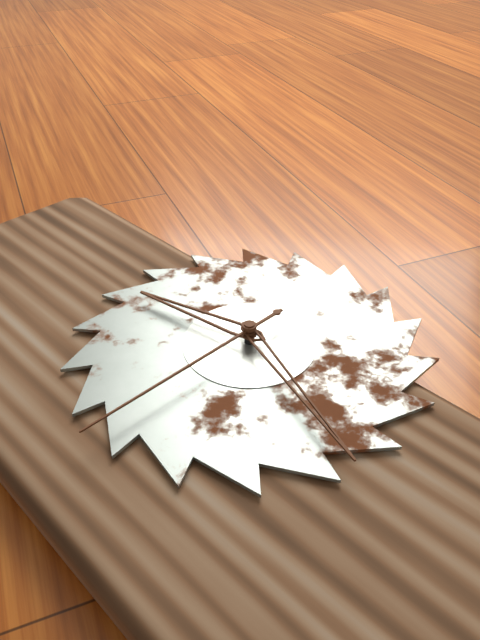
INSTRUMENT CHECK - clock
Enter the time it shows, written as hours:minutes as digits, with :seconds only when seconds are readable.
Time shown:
11:33:45
